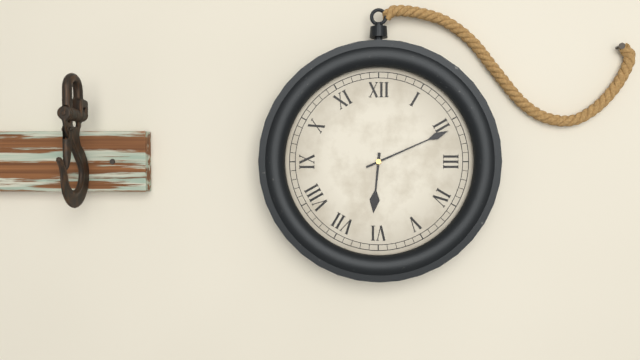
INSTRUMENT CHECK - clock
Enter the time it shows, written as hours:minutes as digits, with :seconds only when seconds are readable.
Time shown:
6:11
